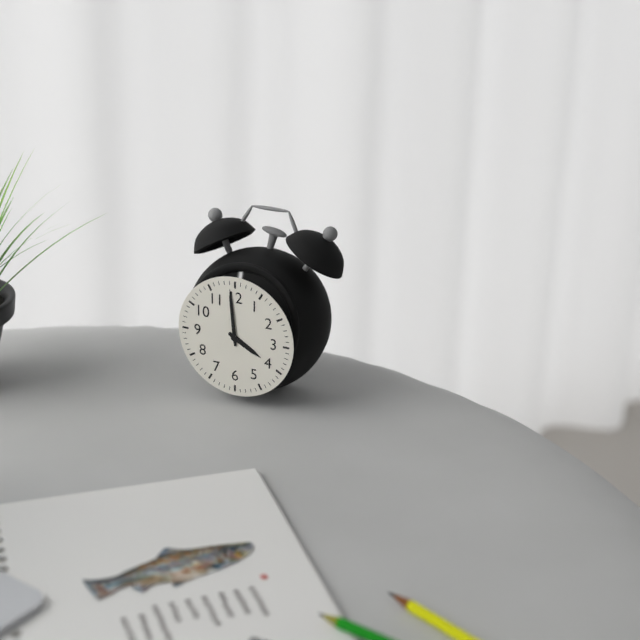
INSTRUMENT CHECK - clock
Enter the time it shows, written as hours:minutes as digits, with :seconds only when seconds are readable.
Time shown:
3:59
